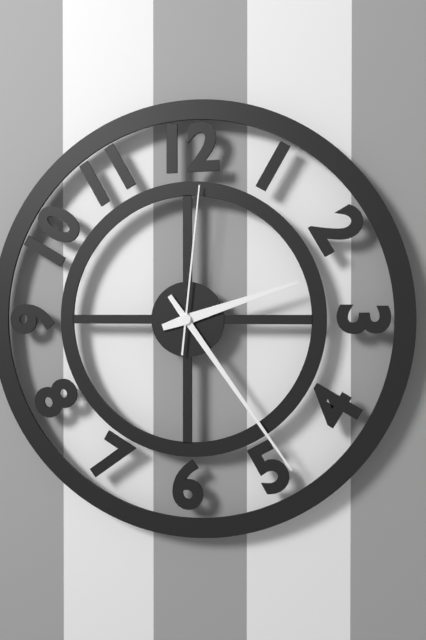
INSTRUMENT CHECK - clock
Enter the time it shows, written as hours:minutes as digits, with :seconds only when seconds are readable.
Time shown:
2:24:01
